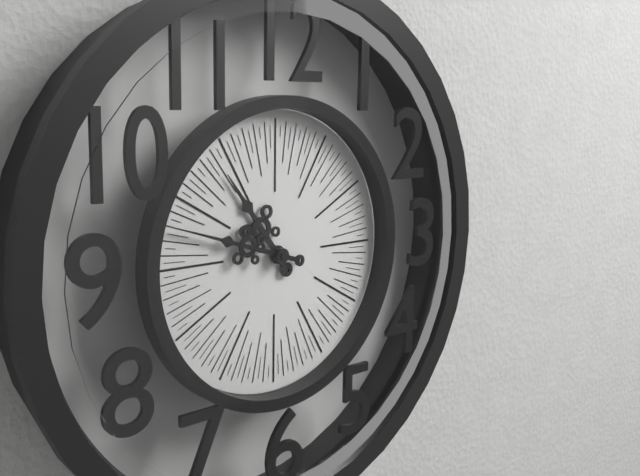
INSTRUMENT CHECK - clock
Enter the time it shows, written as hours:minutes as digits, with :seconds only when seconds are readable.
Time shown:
10:48
